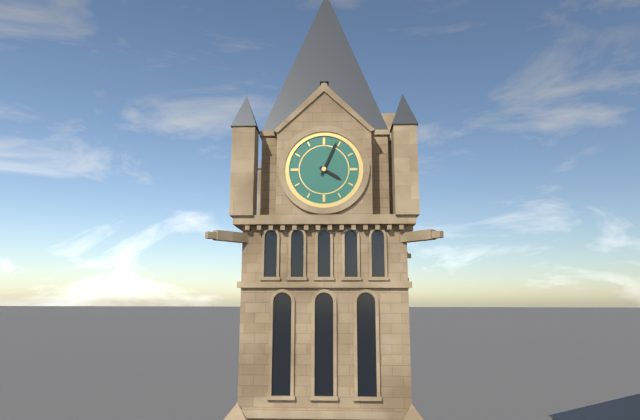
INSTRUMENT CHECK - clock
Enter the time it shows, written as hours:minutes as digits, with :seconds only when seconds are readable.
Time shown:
4:04
